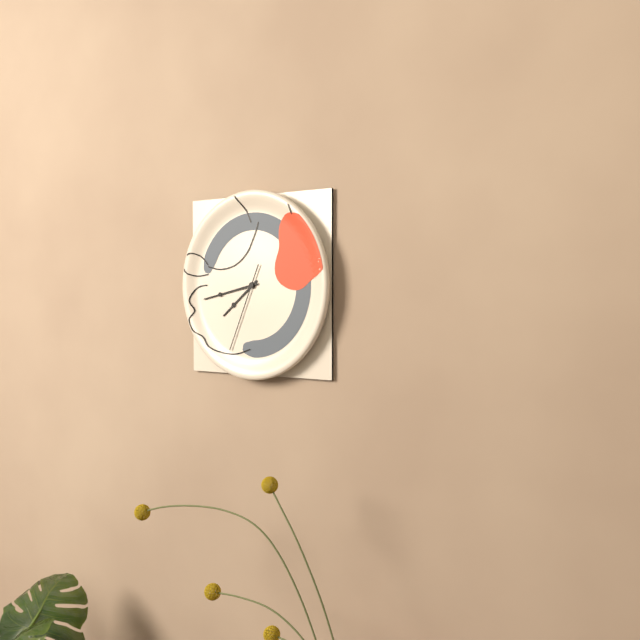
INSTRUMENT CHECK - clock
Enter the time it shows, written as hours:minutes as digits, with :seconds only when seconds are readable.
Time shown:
7:43:34
